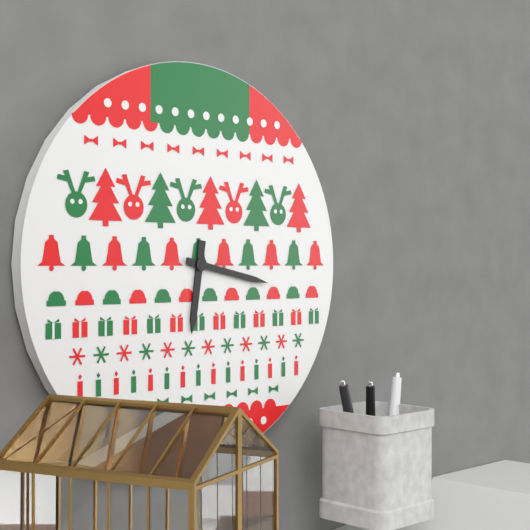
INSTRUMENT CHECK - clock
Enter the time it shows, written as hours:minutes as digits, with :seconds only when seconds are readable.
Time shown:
6:17
